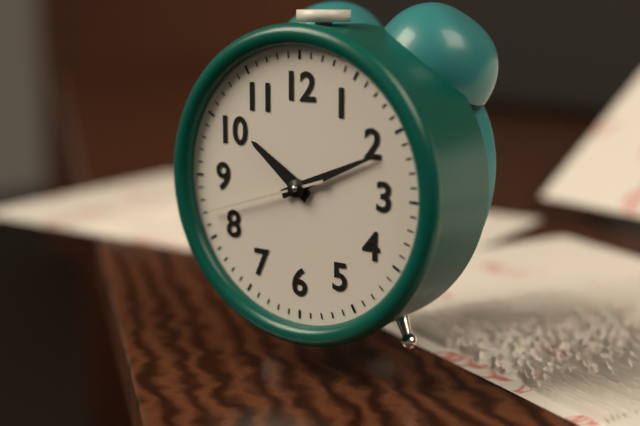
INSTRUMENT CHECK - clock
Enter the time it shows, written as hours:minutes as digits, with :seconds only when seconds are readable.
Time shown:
10:11:42
